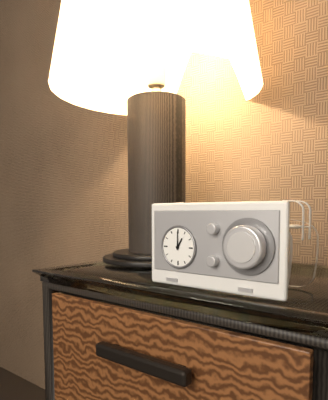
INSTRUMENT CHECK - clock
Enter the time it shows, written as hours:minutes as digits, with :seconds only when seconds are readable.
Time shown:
1:00
